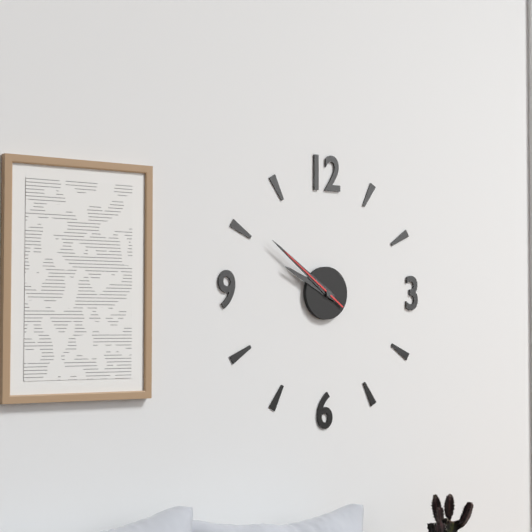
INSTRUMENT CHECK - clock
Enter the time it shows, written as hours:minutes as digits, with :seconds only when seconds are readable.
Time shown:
9:51:51
